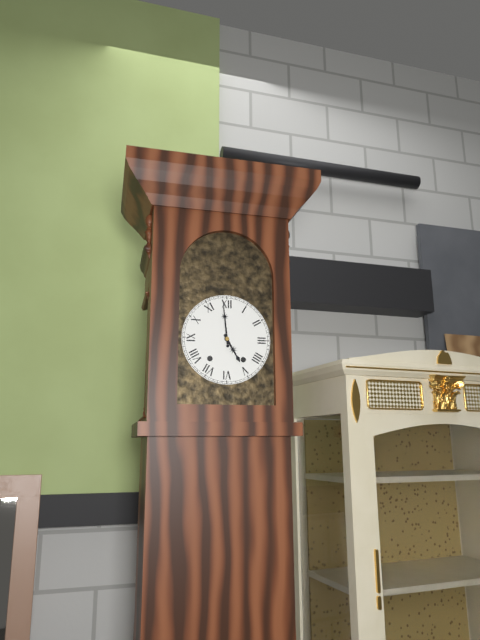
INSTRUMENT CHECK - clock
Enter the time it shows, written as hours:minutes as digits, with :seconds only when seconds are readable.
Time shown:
4:59
